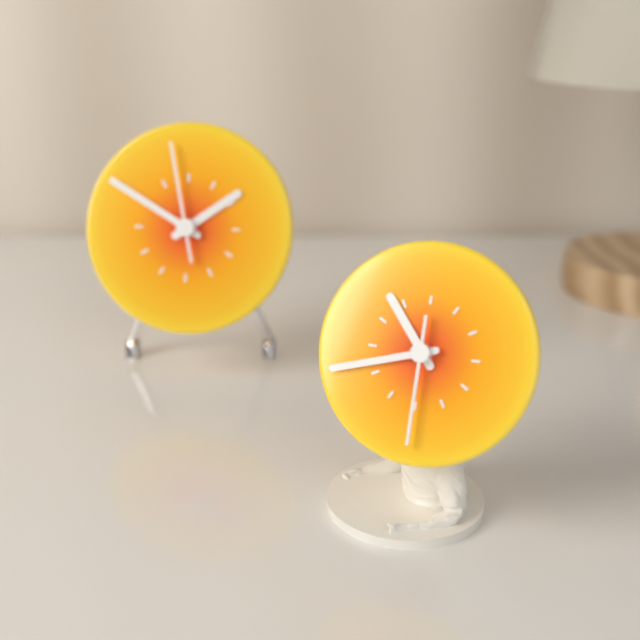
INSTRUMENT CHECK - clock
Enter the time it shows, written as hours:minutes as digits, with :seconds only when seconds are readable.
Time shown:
10:42:30
